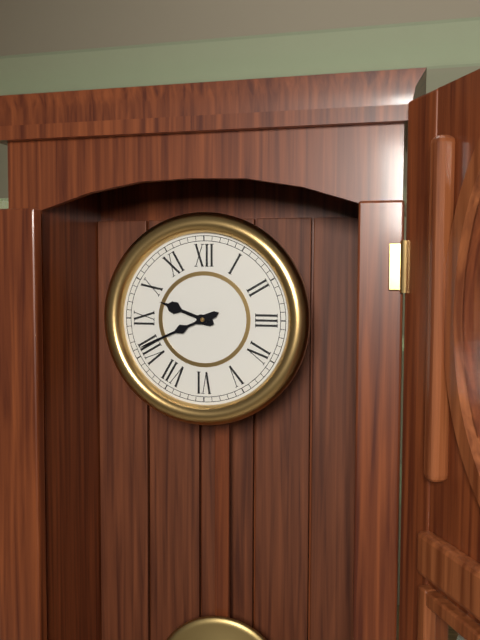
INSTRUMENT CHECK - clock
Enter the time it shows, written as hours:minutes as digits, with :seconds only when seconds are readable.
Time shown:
9:41
